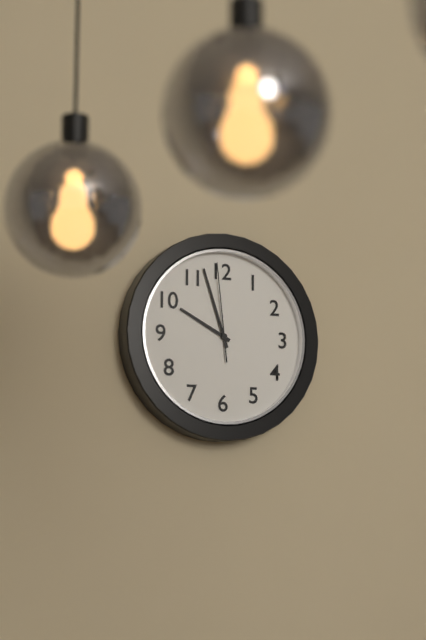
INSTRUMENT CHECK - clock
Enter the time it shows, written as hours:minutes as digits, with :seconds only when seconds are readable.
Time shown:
9:57:59
